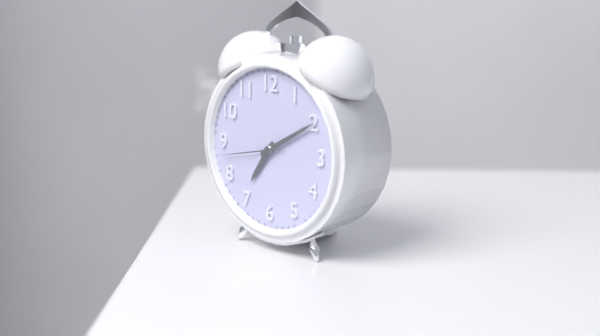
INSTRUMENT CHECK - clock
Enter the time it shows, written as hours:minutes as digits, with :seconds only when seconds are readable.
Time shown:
7:10:43
